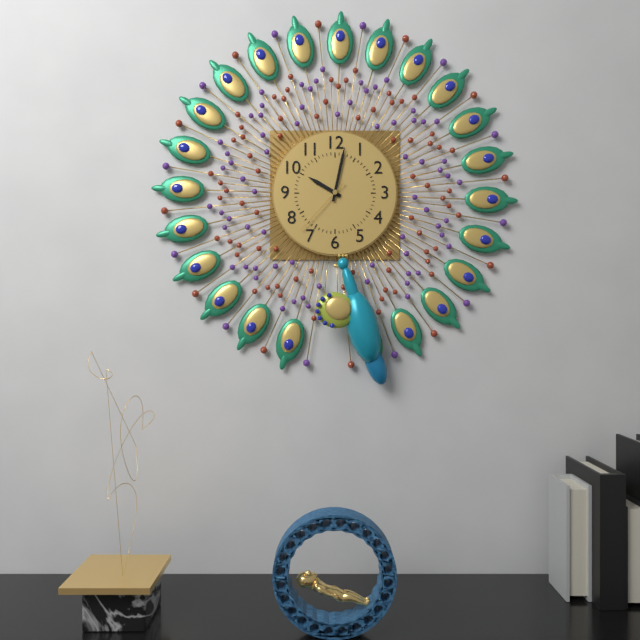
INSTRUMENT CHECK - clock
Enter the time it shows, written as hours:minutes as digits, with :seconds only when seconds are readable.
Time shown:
10:02:37
